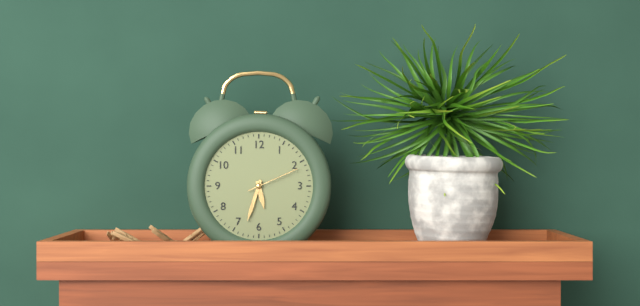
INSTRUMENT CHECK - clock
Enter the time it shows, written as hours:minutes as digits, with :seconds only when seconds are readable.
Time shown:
5:33:11
